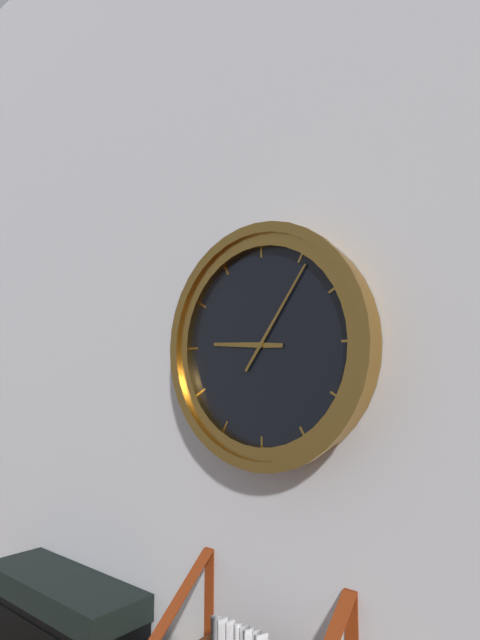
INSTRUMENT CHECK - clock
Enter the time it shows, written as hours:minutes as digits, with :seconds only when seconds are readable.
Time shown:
9:06
